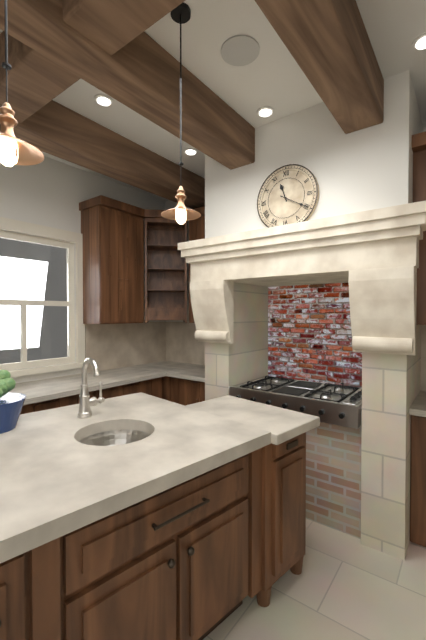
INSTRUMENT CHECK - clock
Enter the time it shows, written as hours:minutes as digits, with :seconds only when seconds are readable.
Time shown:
11:20
